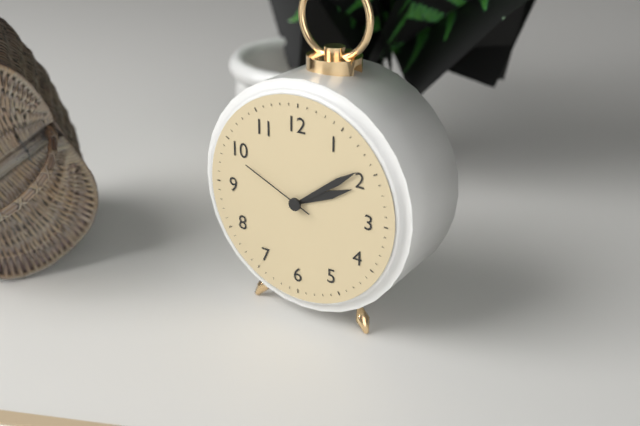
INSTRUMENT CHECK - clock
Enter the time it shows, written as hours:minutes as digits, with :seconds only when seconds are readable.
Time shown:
2:09:49
